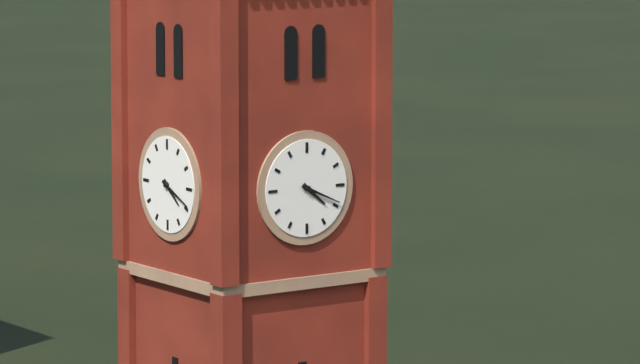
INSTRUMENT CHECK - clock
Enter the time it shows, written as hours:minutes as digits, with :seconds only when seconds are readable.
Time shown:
4:19
